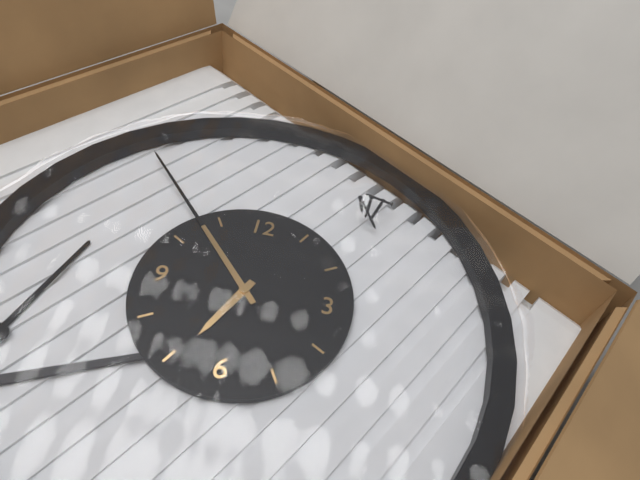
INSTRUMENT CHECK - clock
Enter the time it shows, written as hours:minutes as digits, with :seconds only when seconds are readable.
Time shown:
6:53
